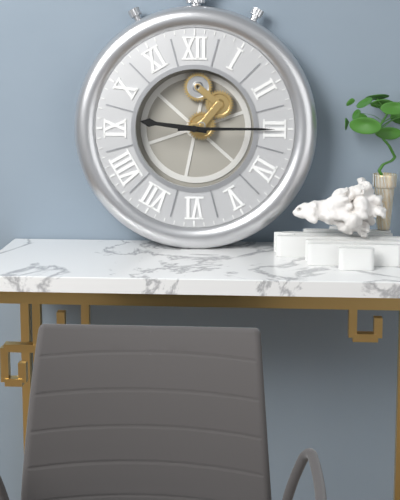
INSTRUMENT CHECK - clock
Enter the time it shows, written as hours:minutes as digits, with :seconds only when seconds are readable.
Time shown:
9:15
